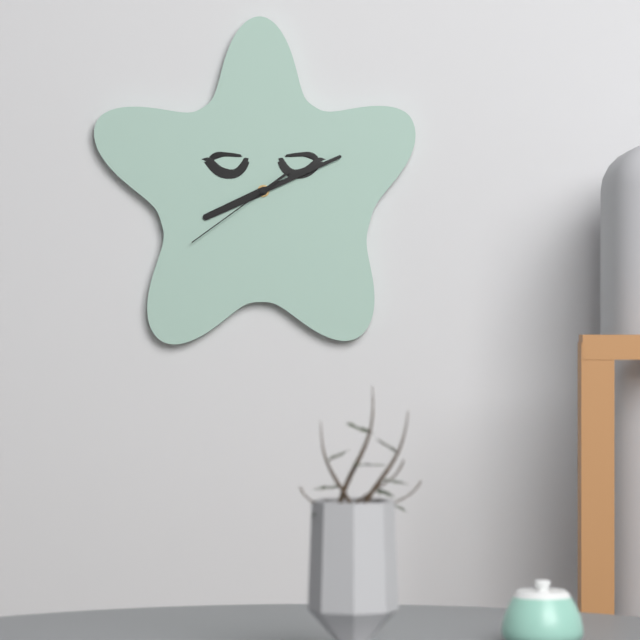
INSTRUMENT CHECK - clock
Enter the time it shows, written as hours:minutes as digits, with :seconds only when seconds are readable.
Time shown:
8:11:39
